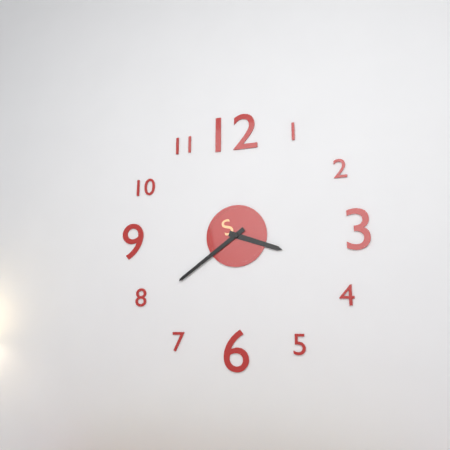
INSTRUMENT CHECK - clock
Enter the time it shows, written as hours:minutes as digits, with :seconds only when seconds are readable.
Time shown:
3:39
